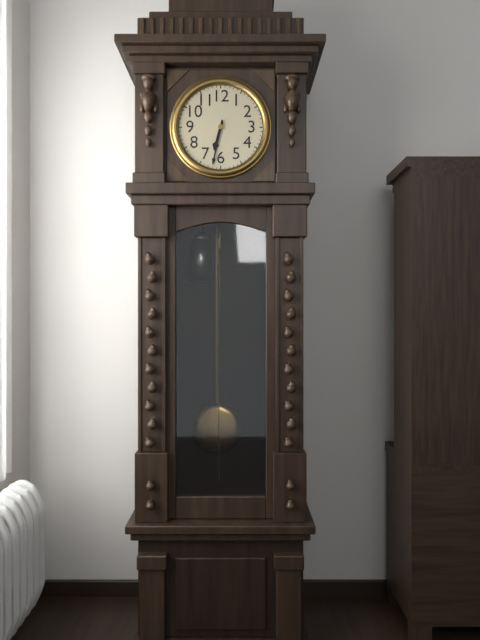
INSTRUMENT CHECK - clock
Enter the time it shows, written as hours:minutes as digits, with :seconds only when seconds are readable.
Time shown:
6:32
